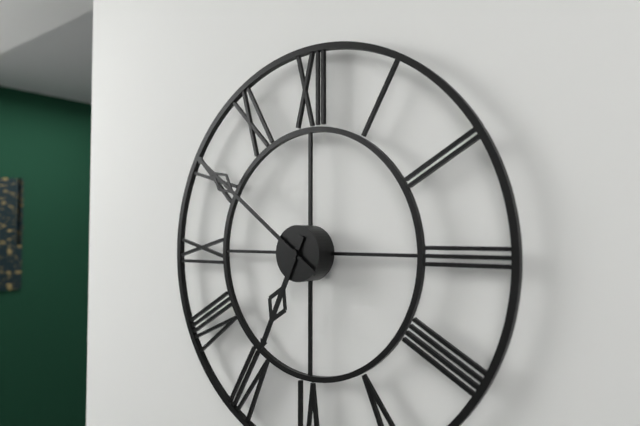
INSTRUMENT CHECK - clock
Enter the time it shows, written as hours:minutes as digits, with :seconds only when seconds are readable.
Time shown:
6:51
